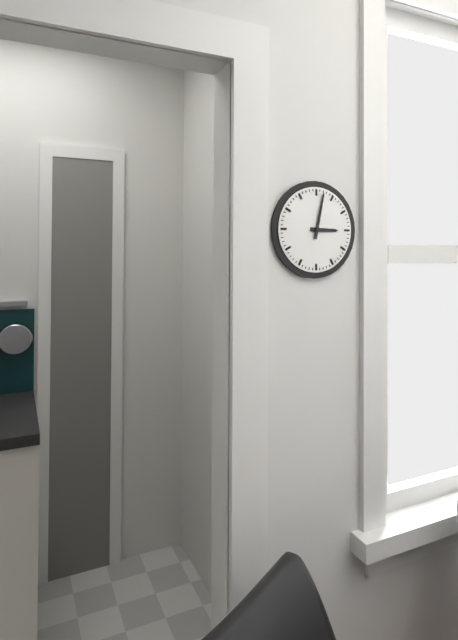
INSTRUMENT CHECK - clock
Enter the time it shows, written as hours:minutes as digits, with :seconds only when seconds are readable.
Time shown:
3:02
